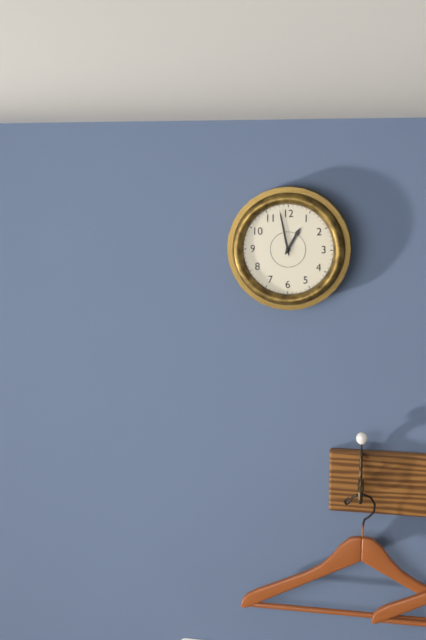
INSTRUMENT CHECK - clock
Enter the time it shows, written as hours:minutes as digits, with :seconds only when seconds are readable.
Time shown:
12:58
